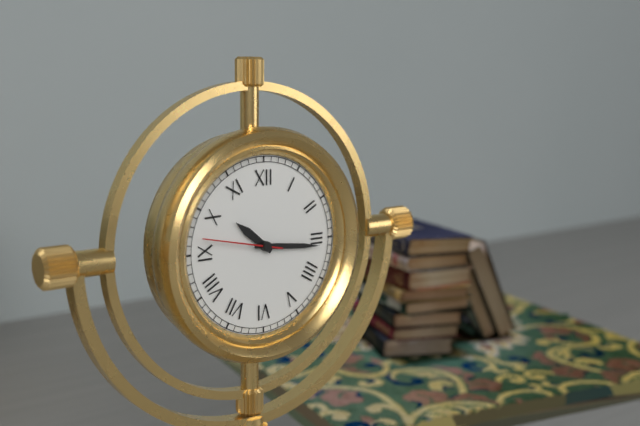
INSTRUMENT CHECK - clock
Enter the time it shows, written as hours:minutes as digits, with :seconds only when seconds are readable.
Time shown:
10:16:47
